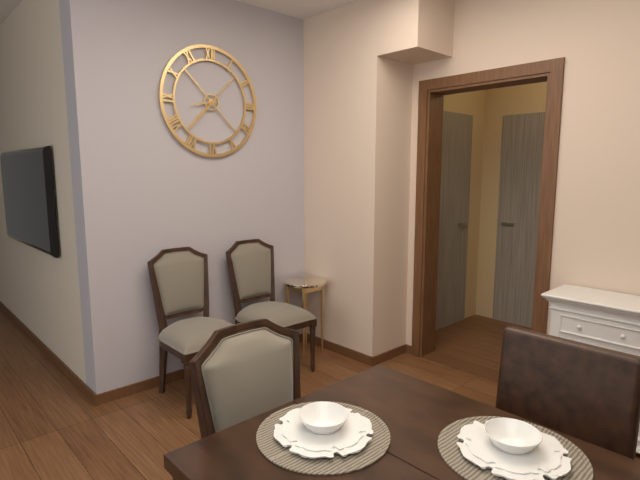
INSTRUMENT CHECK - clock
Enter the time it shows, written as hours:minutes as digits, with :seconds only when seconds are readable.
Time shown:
8:37
